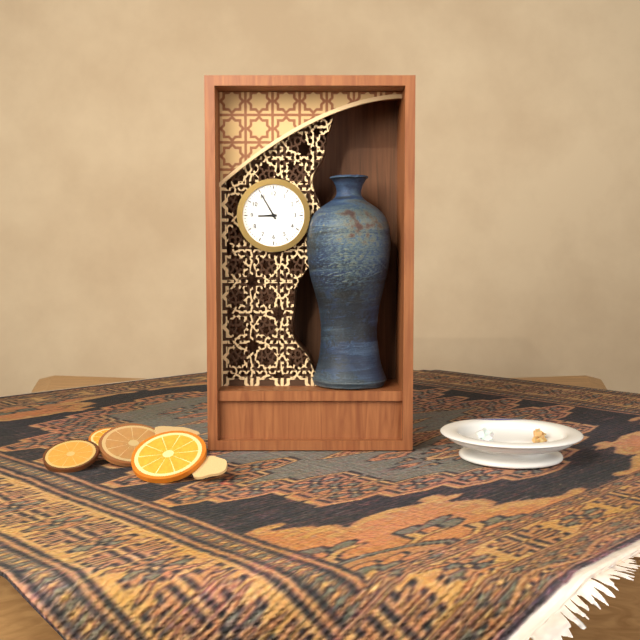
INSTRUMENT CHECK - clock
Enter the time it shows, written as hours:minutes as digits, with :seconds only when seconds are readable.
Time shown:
8:55
